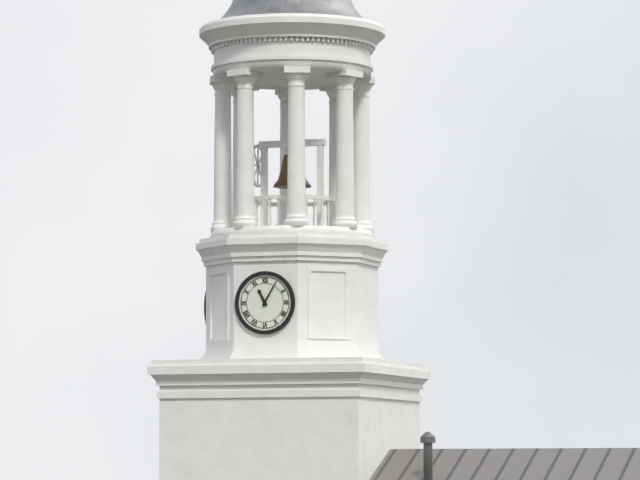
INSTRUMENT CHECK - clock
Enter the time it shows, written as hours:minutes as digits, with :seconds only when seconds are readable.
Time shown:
11:05
